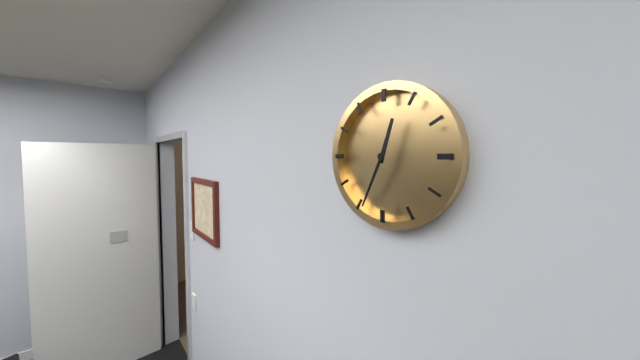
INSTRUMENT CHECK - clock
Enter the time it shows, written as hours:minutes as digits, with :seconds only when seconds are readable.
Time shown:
12:34
